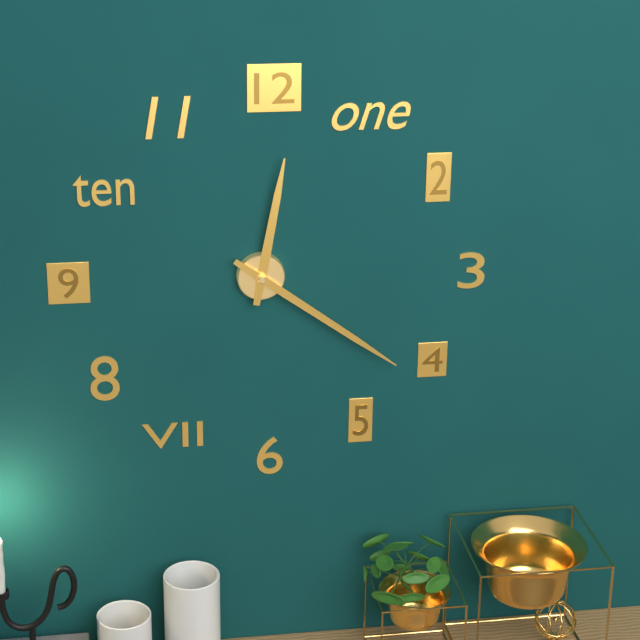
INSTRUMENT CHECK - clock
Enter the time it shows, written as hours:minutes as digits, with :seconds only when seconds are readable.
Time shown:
12:21
